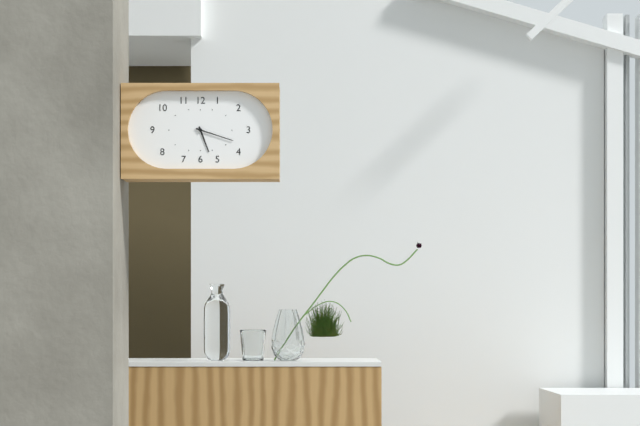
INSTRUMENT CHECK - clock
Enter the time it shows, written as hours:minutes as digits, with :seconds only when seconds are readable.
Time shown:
5:18
